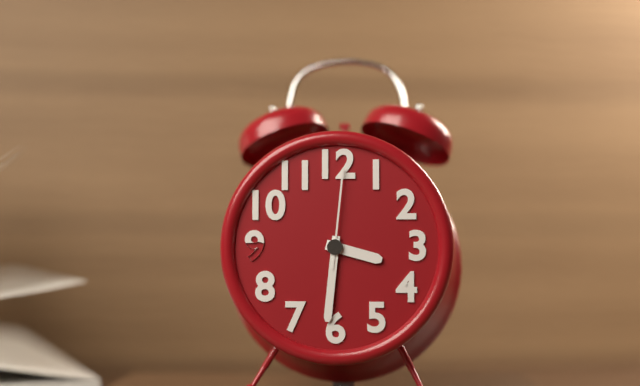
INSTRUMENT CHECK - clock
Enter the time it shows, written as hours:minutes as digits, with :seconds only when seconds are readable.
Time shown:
3:31:01
